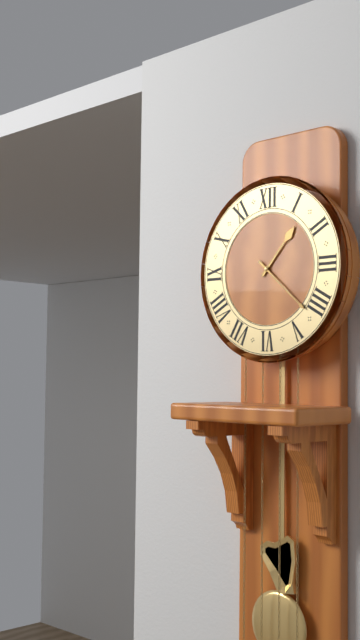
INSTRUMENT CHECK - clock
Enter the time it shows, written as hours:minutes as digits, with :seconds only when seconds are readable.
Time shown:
1:22
